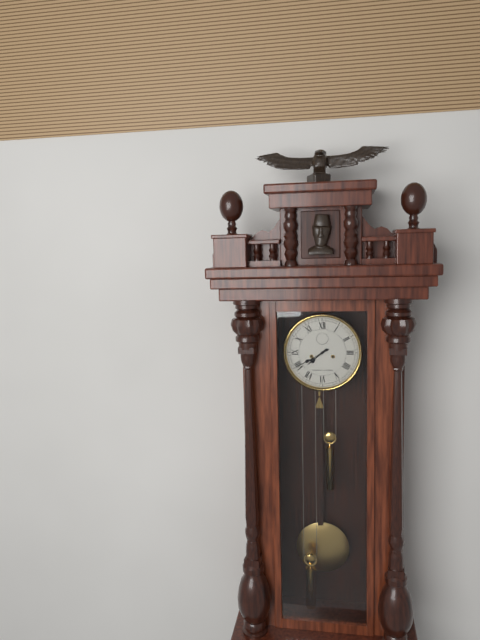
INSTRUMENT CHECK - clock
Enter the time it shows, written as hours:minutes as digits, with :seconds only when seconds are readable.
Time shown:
7:40
